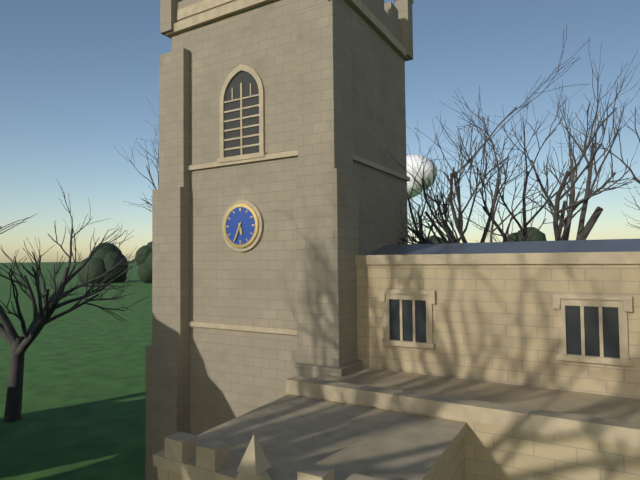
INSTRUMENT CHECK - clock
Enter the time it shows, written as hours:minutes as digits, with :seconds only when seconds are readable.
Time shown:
5:34
